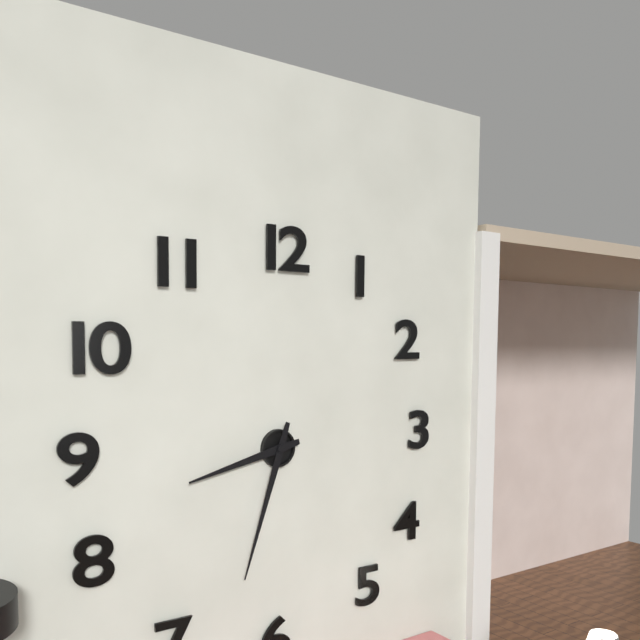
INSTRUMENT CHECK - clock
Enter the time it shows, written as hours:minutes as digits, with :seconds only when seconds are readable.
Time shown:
8:33
